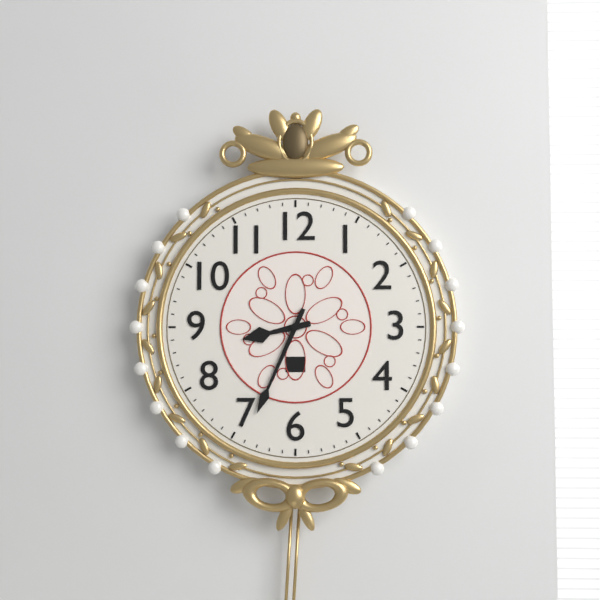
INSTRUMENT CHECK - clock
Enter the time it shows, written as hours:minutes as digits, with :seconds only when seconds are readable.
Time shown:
8:34
